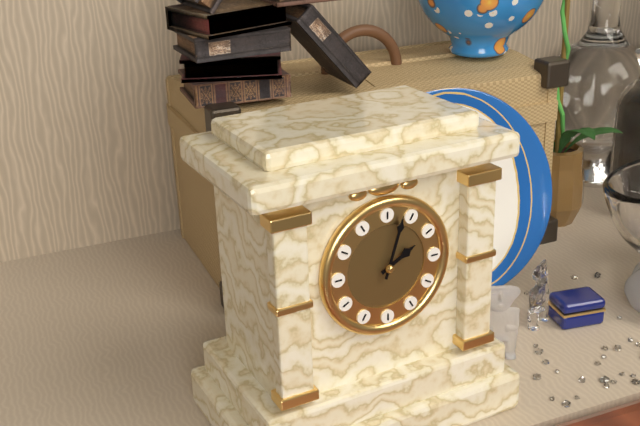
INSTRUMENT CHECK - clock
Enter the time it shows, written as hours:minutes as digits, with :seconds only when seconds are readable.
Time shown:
2:03
